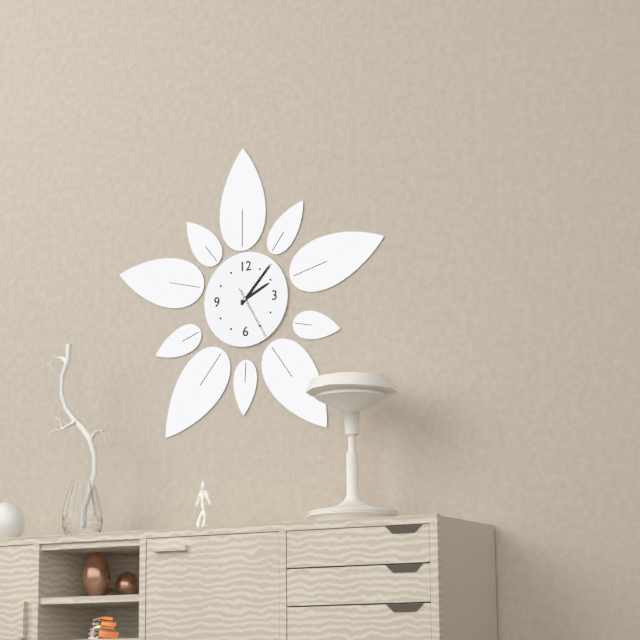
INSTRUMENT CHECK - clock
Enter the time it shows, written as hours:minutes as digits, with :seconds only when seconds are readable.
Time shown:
2:07:25
